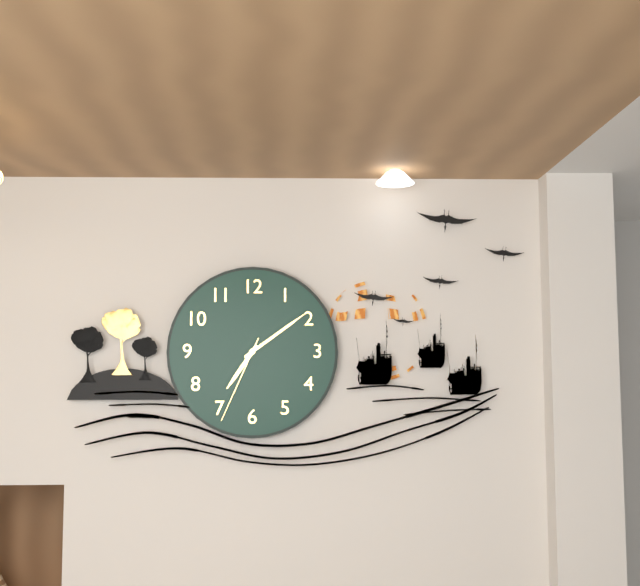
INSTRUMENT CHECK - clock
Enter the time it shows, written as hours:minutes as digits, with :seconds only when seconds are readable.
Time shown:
7:09:34
